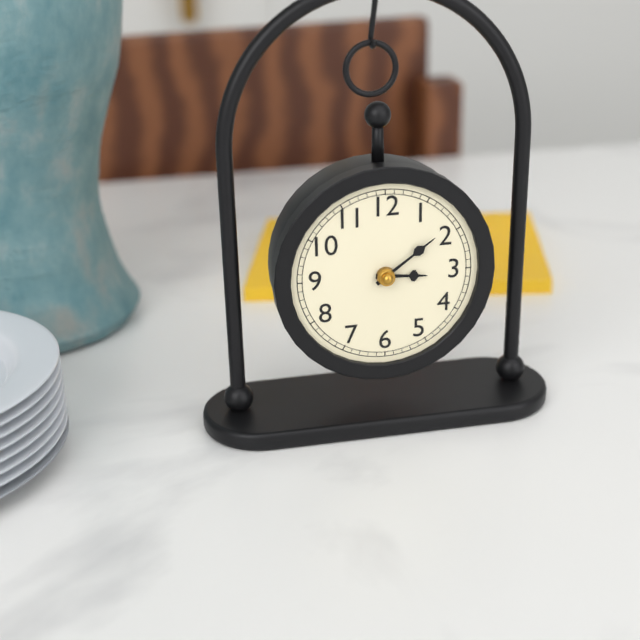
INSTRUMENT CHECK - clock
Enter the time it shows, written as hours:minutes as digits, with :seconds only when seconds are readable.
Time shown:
3:09
